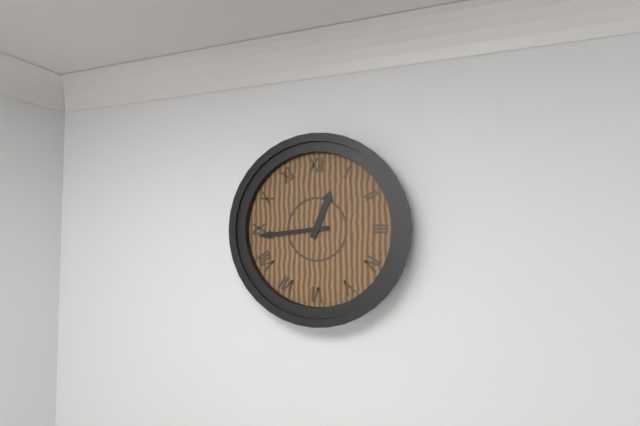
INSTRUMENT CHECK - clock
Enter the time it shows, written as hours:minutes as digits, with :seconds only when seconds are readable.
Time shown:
12:44
